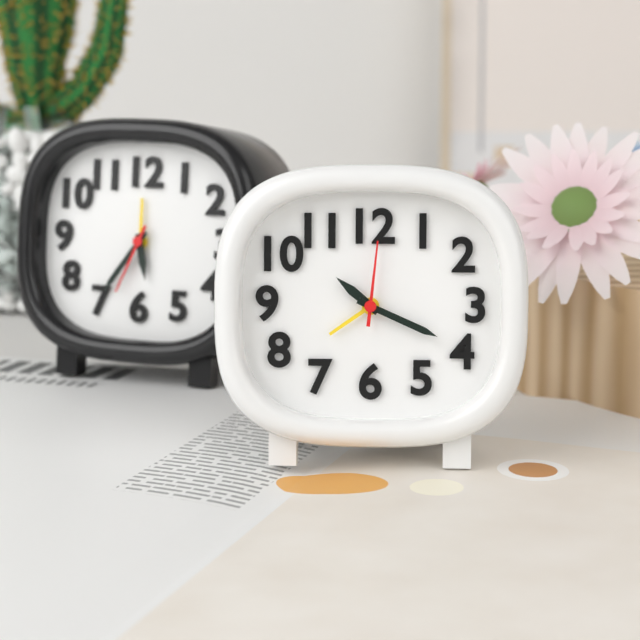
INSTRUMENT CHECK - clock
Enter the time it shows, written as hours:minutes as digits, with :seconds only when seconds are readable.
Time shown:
10:19:01
